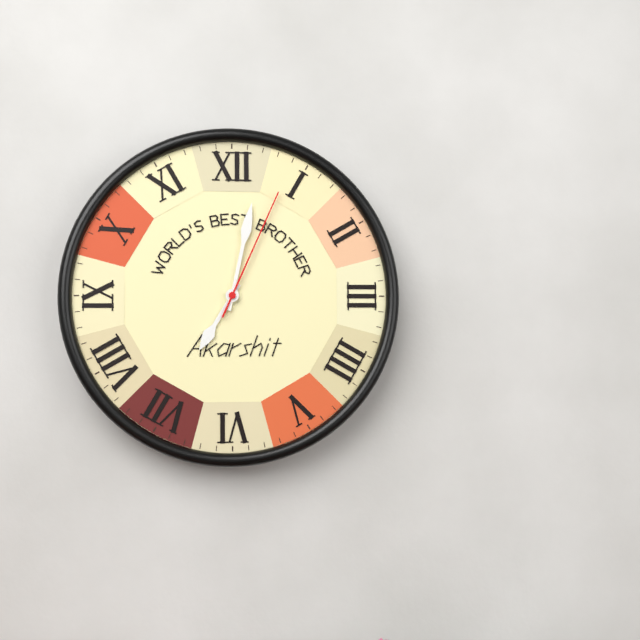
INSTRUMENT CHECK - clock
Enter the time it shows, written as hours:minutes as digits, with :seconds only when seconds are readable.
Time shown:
7:02:04
